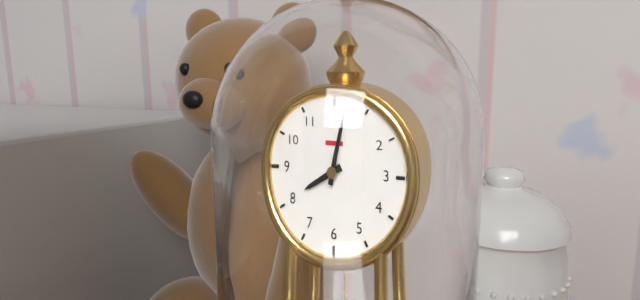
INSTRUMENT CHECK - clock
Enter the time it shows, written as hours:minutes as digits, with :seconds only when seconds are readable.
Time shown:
8:02
